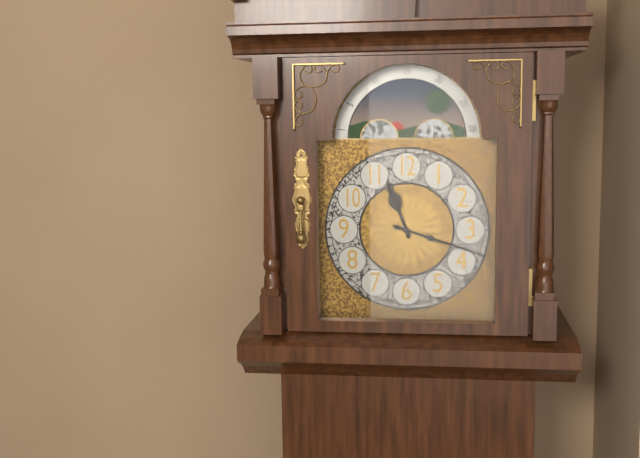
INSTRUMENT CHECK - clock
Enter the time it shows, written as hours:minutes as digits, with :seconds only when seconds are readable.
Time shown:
11:18
